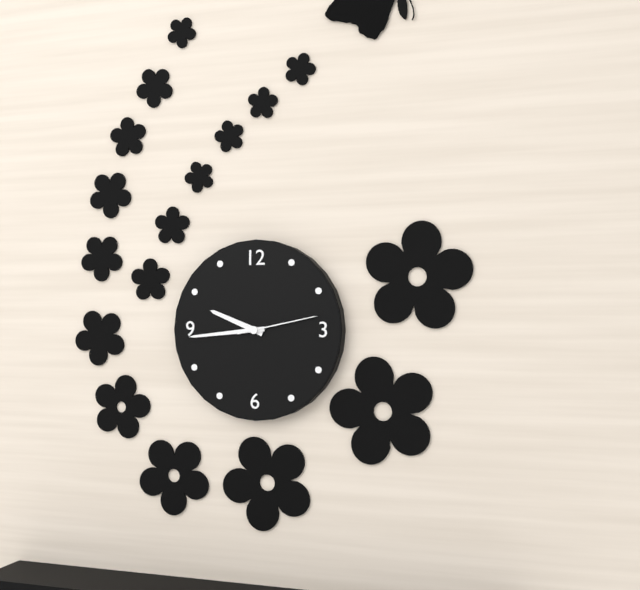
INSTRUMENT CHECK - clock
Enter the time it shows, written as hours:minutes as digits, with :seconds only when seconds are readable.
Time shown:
9:44:13
